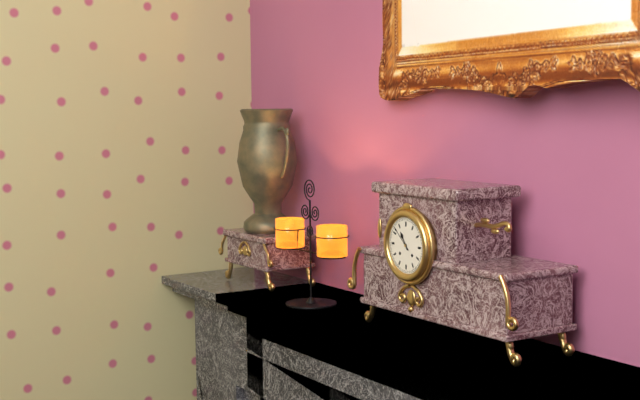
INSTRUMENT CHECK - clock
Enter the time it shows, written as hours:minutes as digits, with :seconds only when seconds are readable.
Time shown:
10:52
